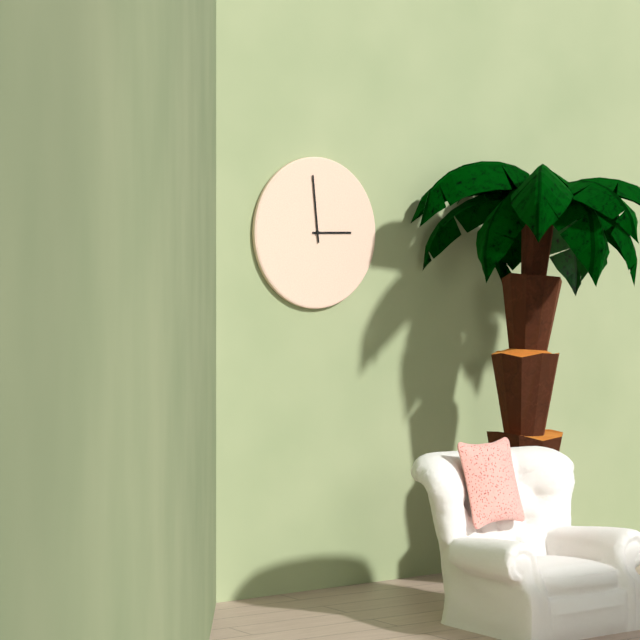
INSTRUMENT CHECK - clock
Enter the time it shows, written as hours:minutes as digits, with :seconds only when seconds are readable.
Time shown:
2:59
